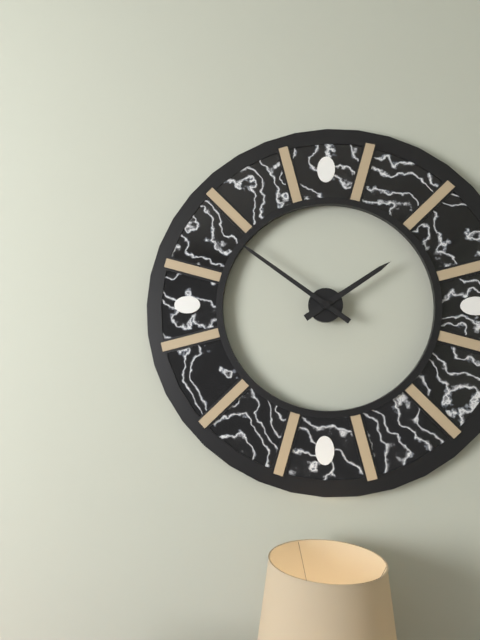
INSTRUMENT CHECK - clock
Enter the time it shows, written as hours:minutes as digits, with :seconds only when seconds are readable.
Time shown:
1:51
